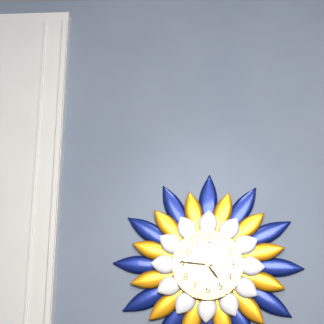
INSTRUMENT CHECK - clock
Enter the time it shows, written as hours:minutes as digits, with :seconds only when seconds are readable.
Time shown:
4:46
